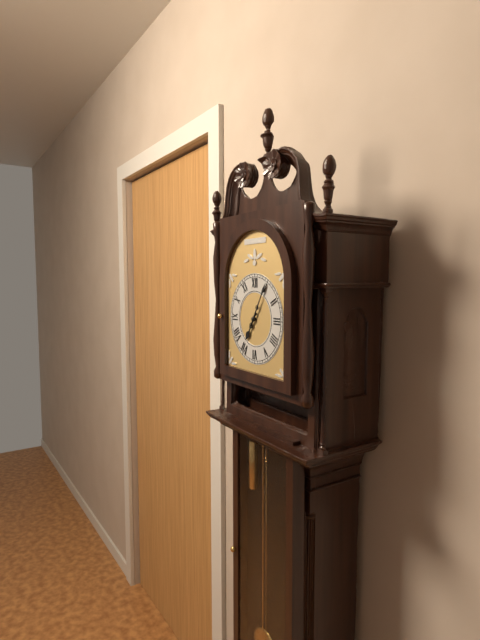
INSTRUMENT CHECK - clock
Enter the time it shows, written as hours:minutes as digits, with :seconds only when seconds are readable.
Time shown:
7:05
